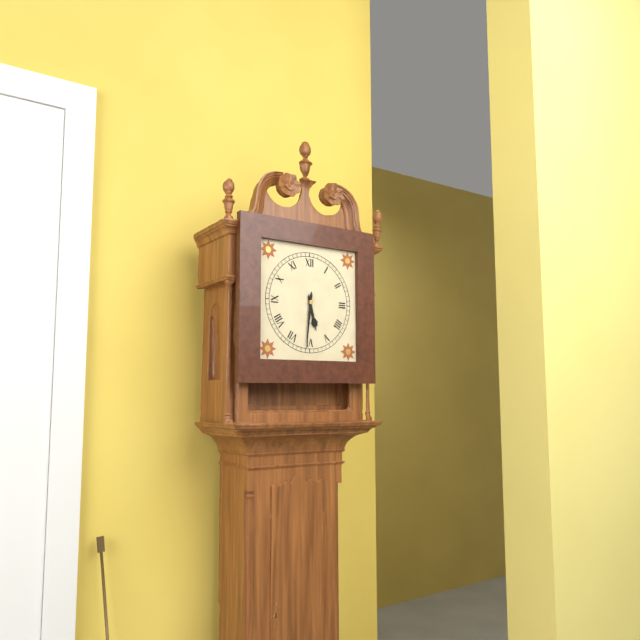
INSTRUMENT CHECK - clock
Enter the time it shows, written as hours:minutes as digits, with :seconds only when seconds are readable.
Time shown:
5:31
